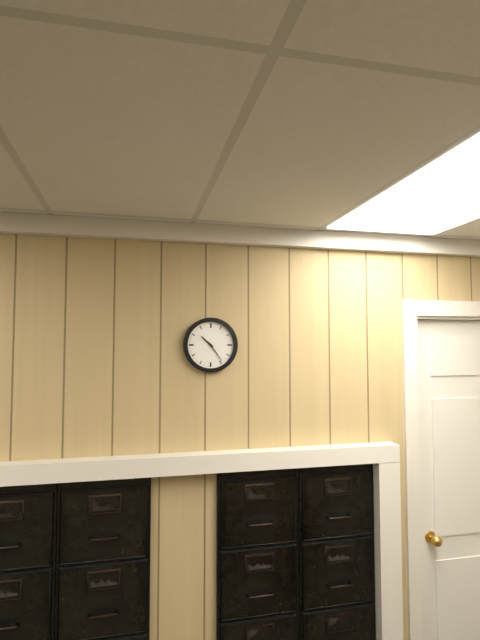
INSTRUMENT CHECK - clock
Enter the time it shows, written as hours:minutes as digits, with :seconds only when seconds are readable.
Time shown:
10:24
